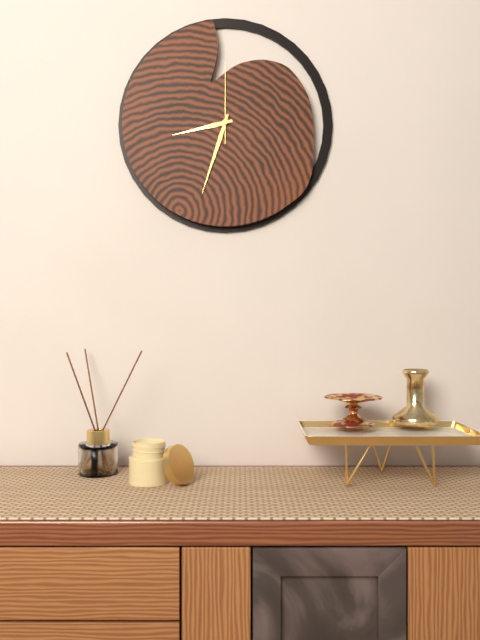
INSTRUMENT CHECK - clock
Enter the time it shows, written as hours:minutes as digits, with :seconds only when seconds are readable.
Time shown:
8:33:00
